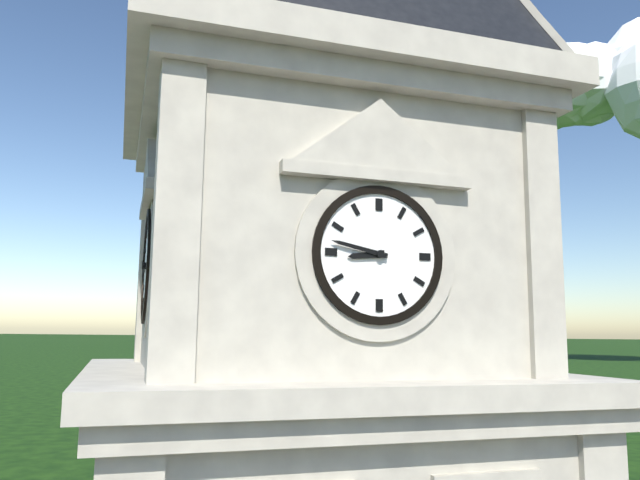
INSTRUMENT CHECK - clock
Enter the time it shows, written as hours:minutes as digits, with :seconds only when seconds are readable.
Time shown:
8:47
